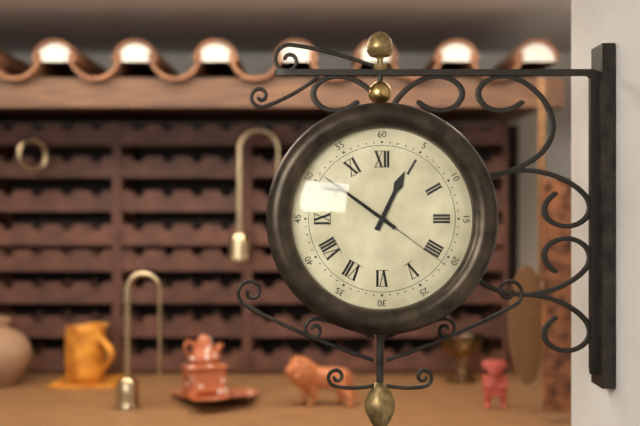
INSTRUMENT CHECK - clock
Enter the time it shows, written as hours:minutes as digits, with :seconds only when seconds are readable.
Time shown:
12:51:21
